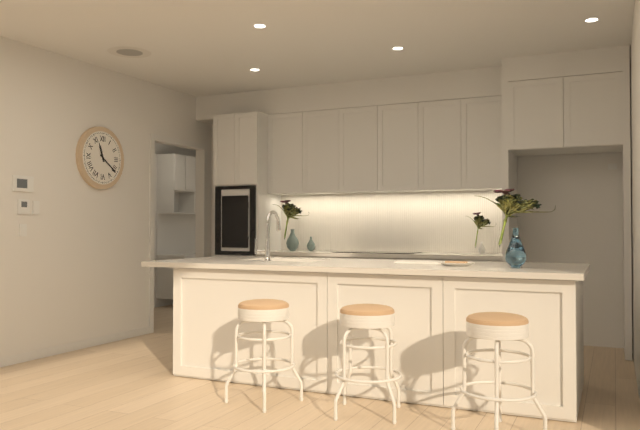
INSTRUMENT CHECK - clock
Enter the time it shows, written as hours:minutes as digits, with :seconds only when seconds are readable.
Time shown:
11:21
